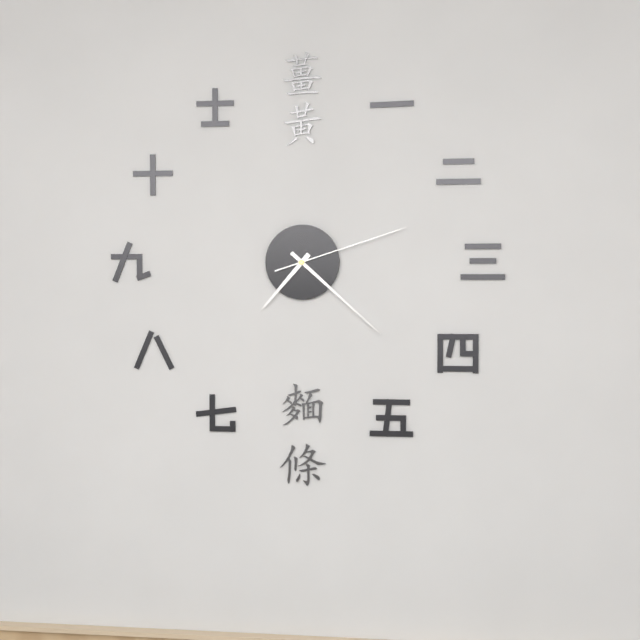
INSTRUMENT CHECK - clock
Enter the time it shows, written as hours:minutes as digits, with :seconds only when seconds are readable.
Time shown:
7:22:12
